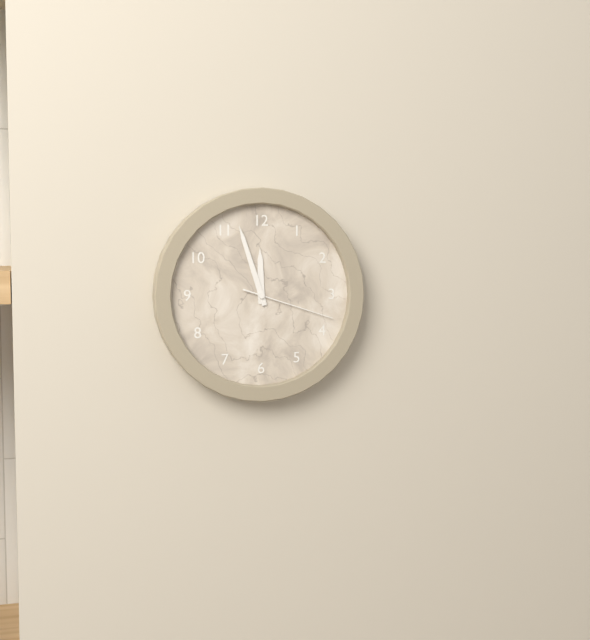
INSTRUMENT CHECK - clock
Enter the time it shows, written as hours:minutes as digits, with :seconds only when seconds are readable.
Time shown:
11:57:18
